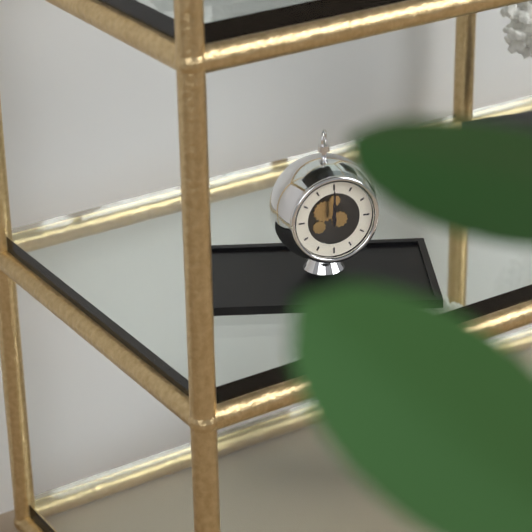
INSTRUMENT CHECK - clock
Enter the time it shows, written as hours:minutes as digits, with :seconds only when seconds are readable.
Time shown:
12:00
